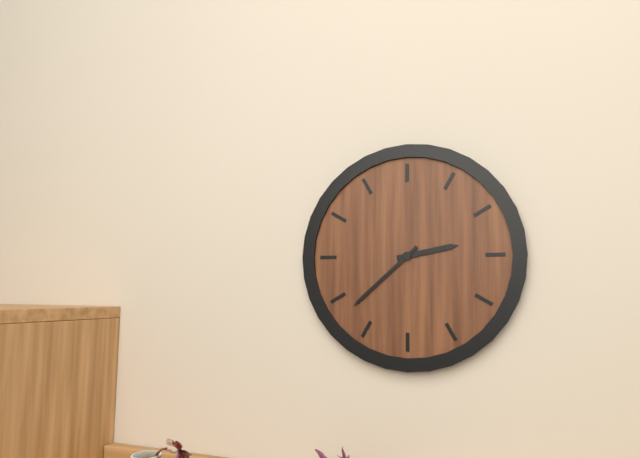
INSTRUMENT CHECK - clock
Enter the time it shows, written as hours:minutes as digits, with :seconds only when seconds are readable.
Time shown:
2:38
